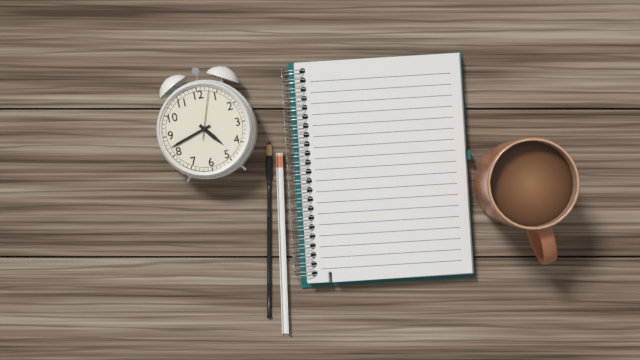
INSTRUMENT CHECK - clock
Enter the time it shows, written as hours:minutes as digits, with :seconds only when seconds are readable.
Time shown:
4:42
